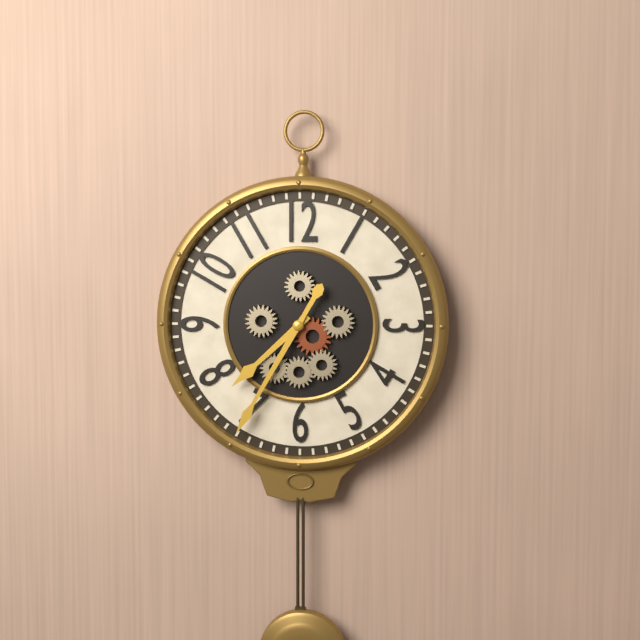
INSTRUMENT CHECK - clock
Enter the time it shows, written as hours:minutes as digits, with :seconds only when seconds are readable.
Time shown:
7:35
